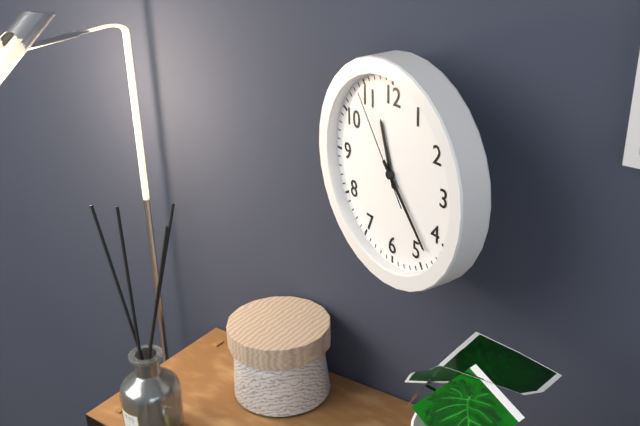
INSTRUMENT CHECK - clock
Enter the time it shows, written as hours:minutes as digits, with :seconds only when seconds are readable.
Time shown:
11:23:54
